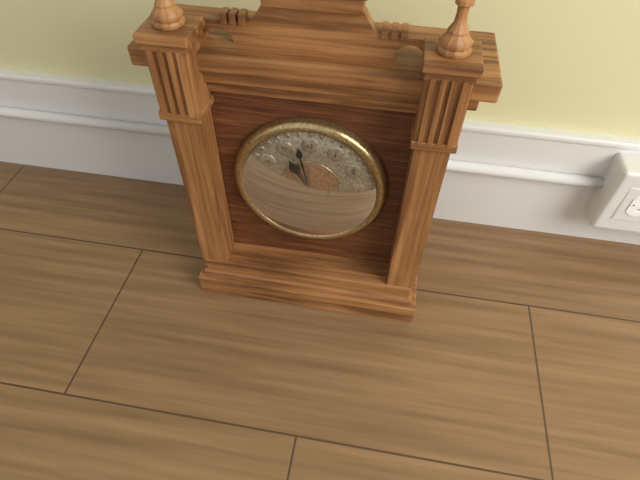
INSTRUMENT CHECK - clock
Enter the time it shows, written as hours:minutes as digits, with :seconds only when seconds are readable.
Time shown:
10:58
